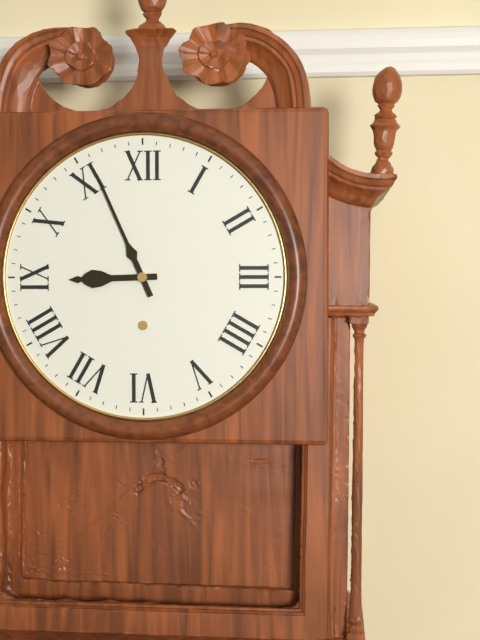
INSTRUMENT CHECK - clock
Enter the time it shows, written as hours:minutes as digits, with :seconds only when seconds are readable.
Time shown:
8:56
